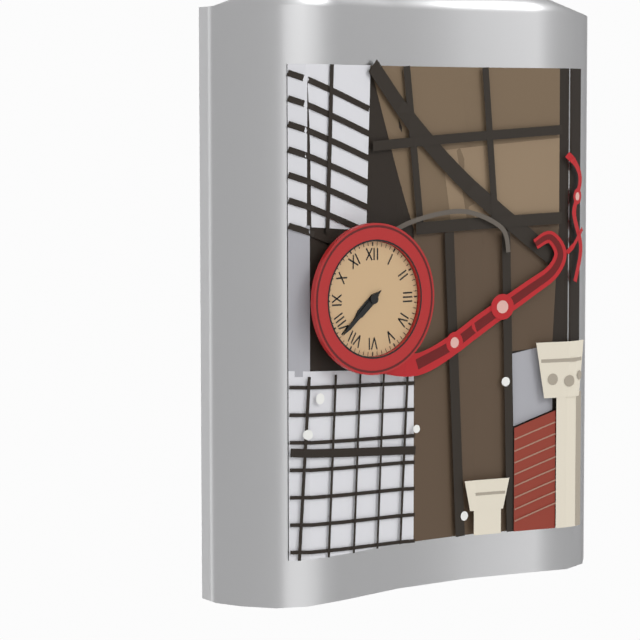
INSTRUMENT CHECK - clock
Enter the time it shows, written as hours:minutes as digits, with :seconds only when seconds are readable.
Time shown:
7:38
